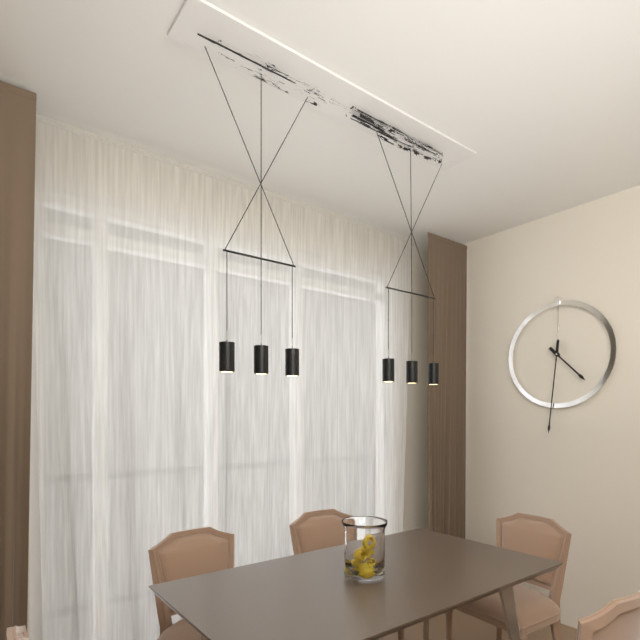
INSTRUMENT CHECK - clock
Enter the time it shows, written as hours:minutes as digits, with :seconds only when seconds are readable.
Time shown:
4:31
